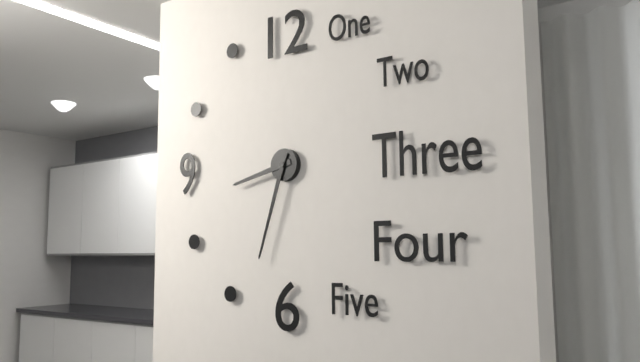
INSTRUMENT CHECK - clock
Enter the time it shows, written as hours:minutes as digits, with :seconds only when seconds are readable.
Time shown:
8:33
